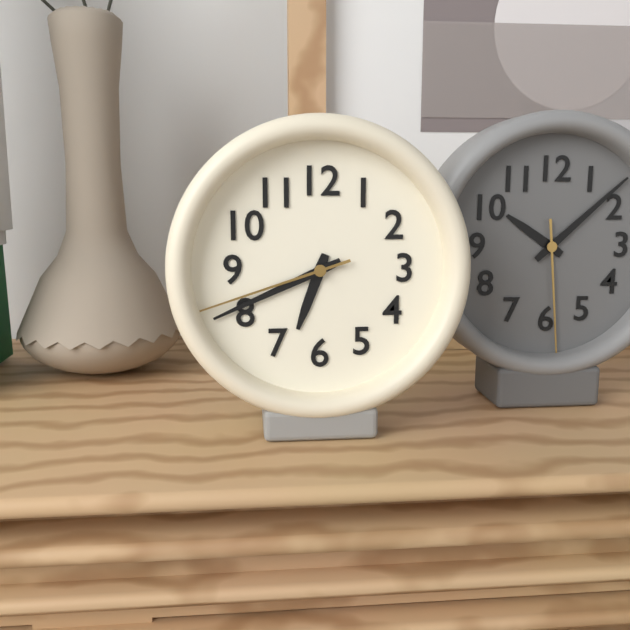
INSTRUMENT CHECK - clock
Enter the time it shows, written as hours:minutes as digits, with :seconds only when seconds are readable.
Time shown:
6:41:42
